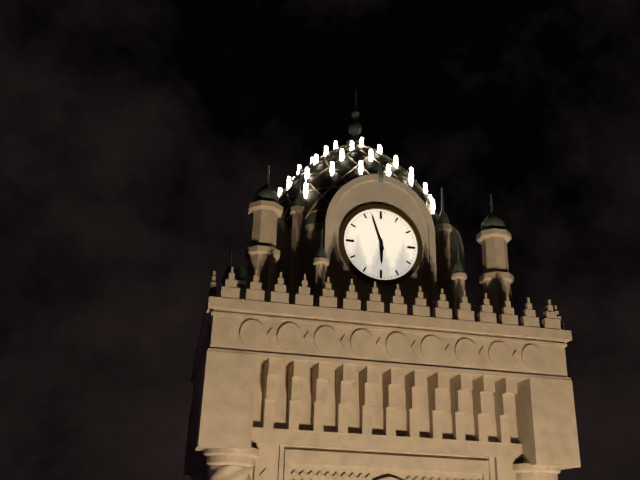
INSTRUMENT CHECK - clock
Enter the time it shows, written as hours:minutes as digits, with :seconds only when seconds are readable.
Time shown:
5:57
